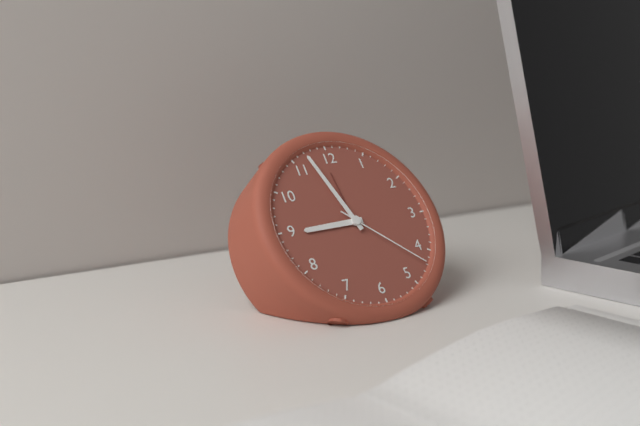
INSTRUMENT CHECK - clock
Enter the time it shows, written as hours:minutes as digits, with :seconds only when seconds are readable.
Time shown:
8:57:22
